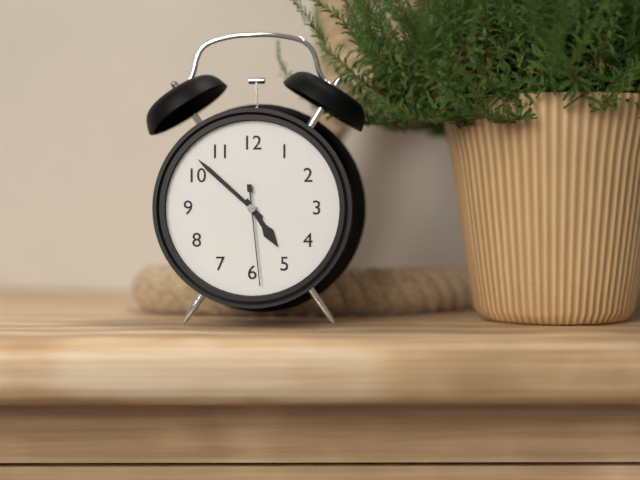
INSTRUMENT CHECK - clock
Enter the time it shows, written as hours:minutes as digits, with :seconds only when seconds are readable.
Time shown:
4:52:29
